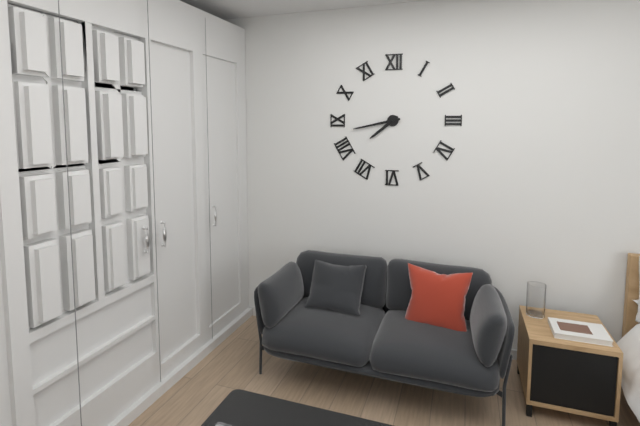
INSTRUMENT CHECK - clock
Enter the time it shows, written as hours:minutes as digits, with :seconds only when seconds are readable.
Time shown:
7:43
